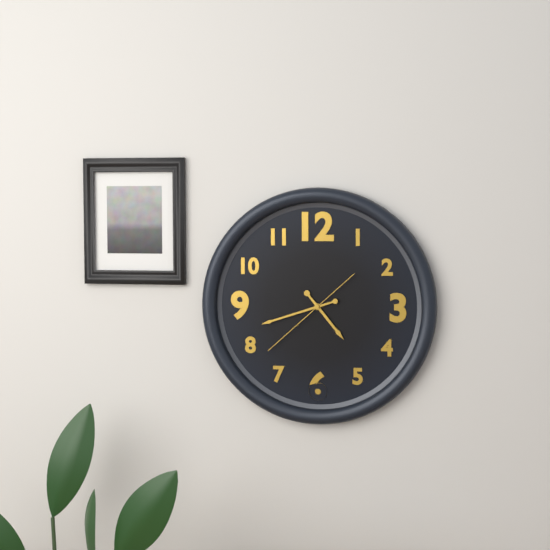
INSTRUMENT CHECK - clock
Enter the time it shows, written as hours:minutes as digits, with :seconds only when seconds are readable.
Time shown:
4:42:38
